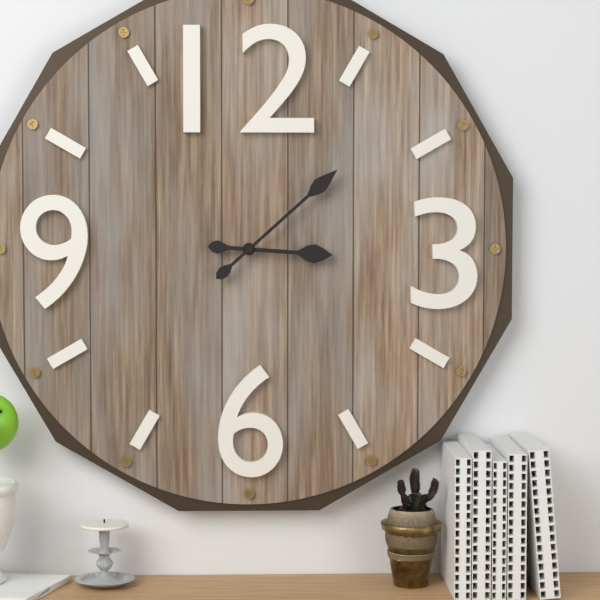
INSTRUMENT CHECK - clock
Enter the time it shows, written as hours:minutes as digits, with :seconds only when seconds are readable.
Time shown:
3:08
